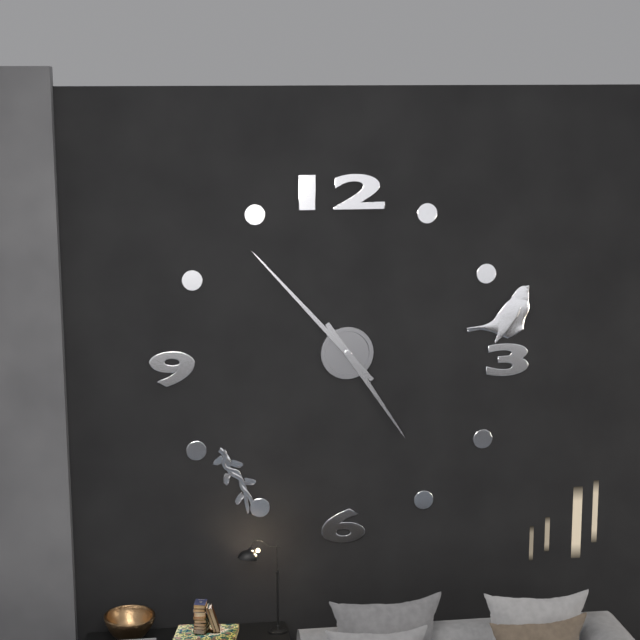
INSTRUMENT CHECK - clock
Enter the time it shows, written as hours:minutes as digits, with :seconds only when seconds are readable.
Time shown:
4:53
